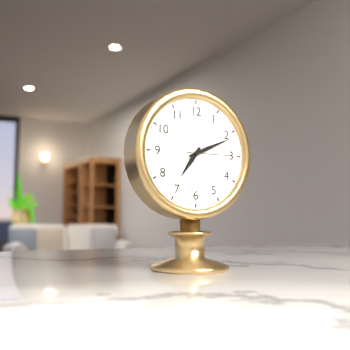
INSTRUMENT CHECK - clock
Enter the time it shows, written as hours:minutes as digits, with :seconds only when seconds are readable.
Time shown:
7:11:15
